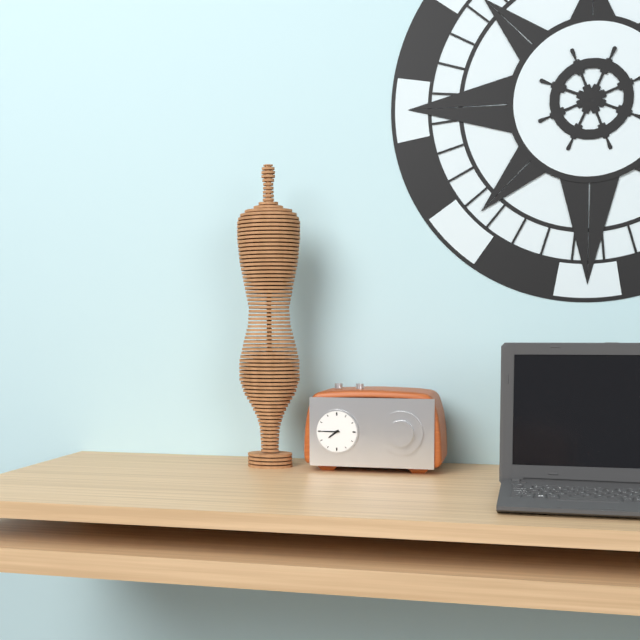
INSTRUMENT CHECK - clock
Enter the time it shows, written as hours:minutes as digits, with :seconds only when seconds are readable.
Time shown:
7:45
